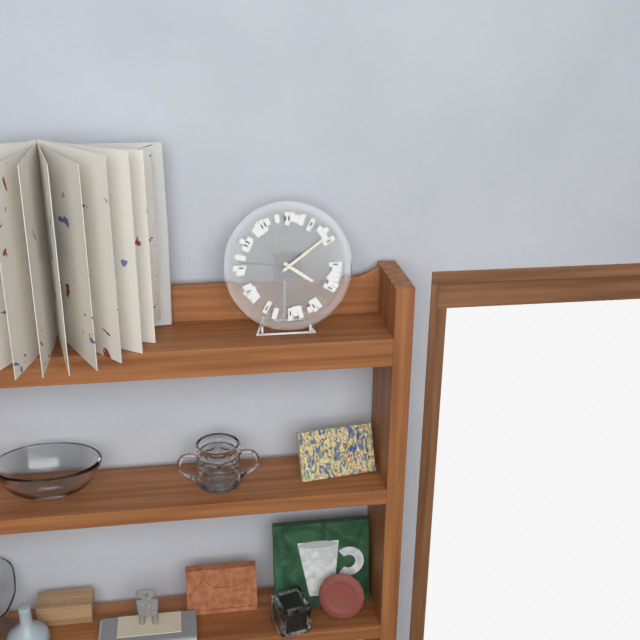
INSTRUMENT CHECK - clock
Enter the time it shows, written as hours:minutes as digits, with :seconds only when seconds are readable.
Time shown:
4:09:46
